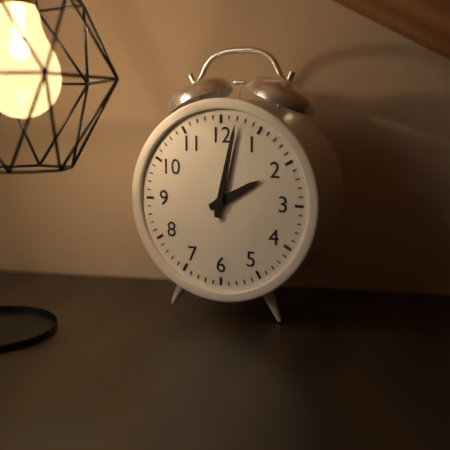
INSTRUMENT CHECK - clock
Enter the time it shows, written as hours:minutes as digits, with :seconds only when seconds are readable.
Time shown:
2:02
